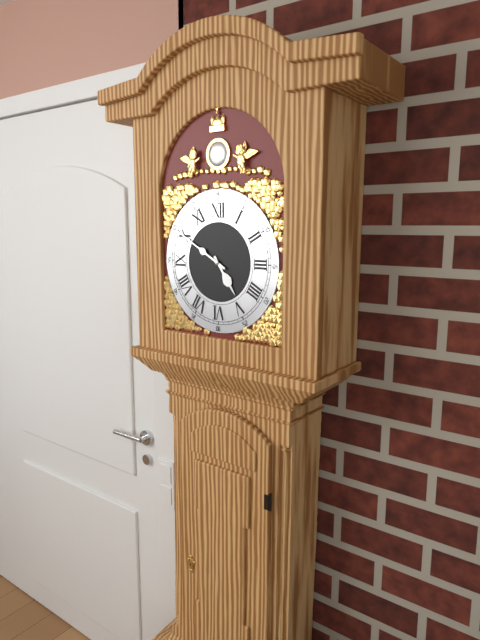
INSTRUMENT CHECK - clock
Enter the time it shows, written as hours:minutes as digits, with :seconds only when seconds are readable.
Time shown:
4:50
